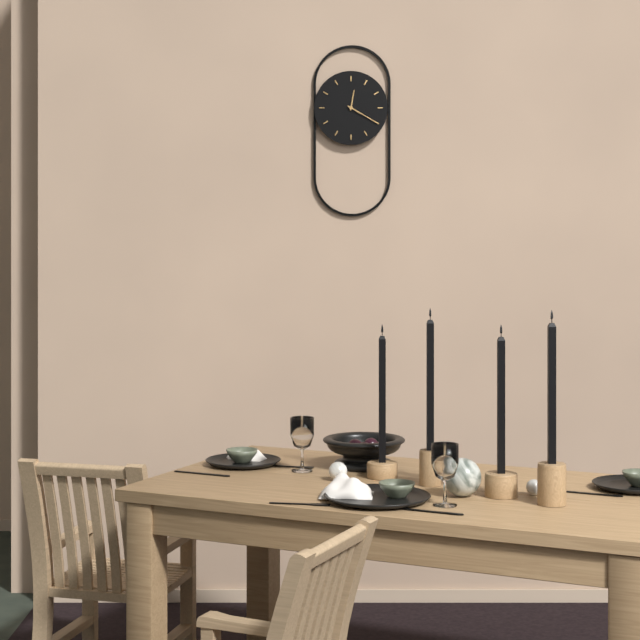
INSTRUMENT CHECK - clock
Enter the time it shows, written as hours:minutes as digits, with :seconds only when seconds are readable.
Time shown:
12:20
